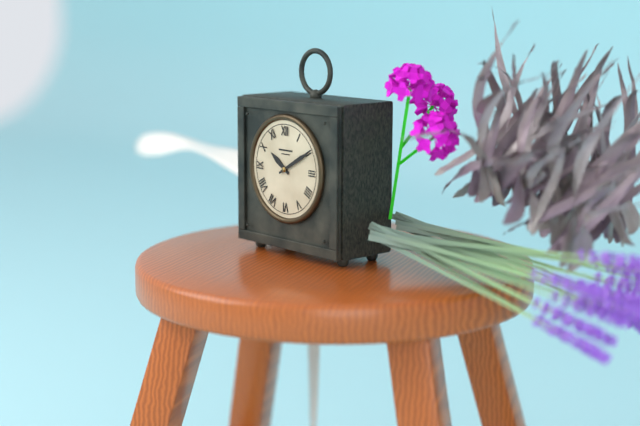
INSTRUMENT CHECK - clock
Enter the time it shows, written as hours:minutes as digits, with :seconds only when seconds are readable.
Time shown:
10:10
